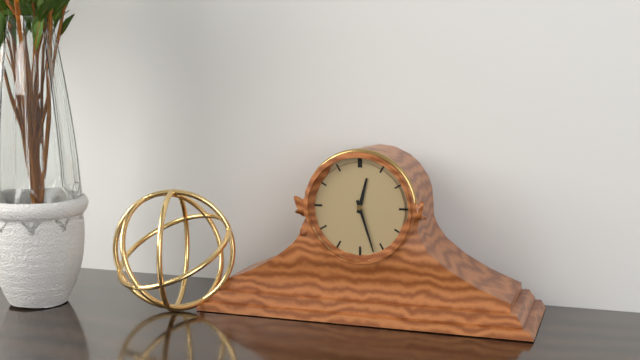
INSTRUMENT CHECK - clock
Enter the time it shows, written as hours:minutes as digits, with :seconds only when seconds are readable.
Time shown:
12:27
